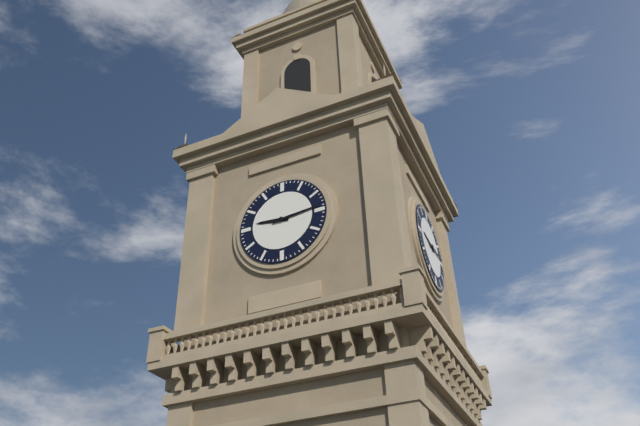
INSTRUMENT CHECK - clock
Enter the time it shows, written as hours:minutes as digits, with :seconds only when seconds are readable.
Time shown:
9:14
